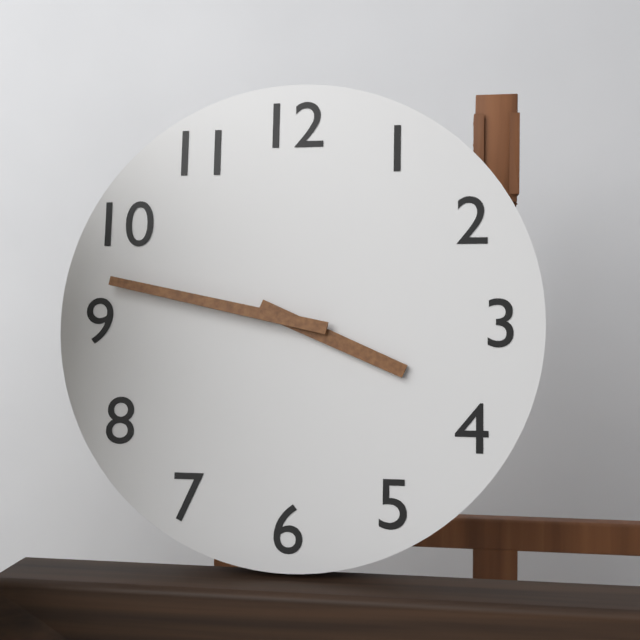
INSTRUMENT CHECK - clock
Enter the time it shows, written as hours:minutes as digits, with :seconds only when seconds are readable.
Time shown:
3:47
